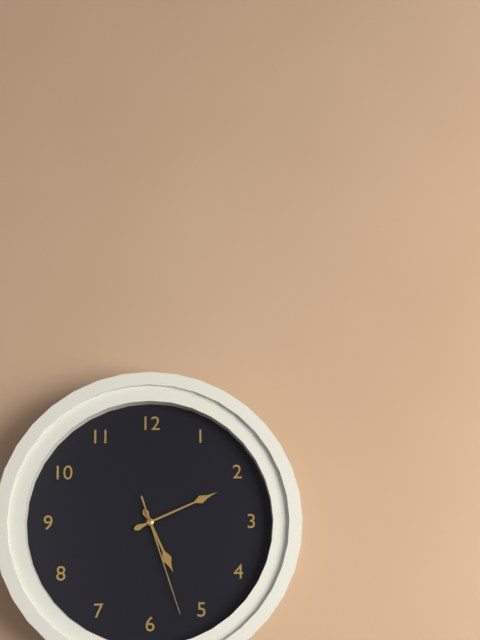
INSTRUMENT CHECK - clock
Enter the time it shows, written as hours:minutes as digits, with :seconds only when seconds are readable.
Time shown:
5:11:27
